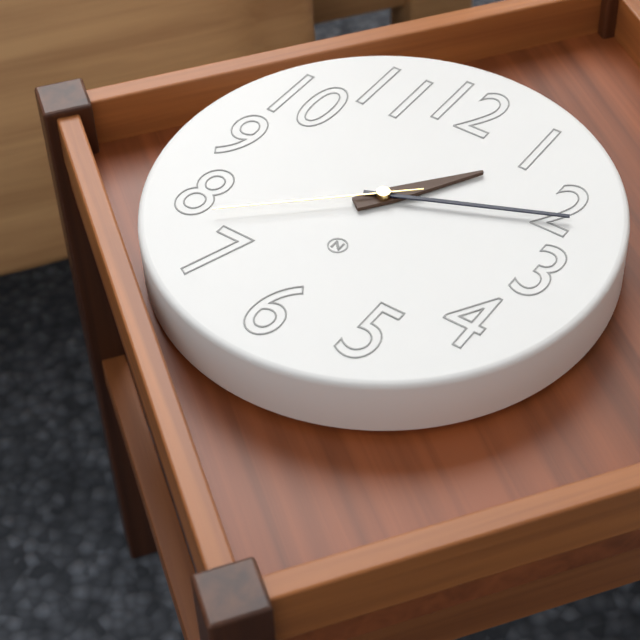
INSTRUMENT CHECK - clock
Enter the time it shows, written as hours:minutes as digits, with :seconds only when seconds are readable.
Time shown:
1:11:38
